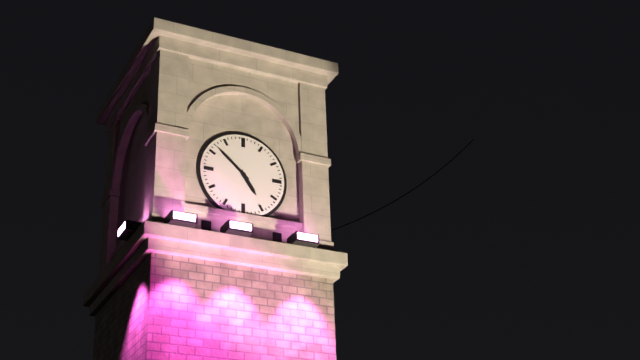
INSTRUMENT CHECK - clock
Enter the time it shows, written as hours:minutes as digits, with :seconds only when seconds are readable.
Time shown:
4:52
